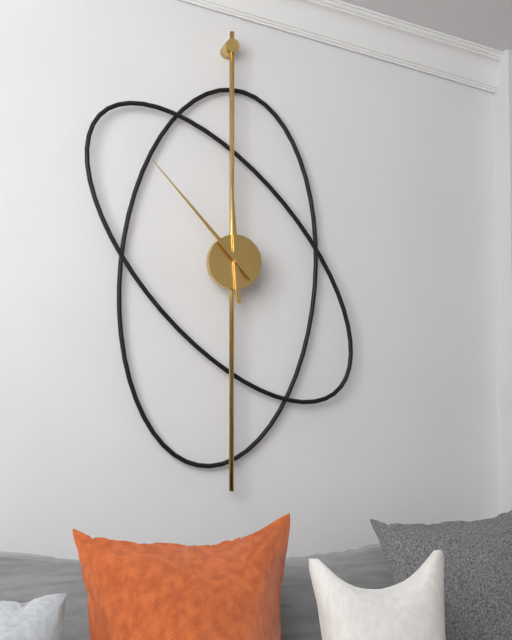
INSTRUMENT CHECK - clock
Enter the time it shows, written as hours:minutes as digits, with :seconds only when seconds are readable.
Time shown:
11:53
